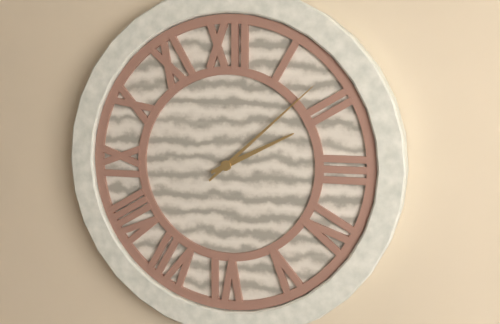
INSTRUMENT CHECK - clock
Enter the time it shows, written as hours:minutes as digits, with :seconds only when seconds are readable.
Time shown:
2:08
